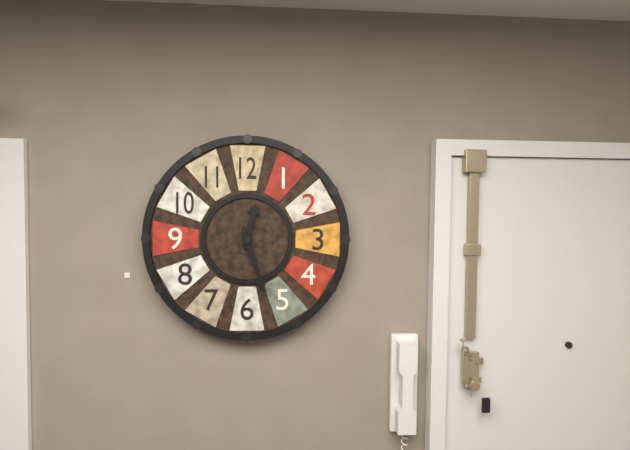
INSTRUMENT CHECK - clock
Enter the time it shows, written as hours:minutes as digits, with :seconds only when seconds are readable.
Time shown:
12:27
